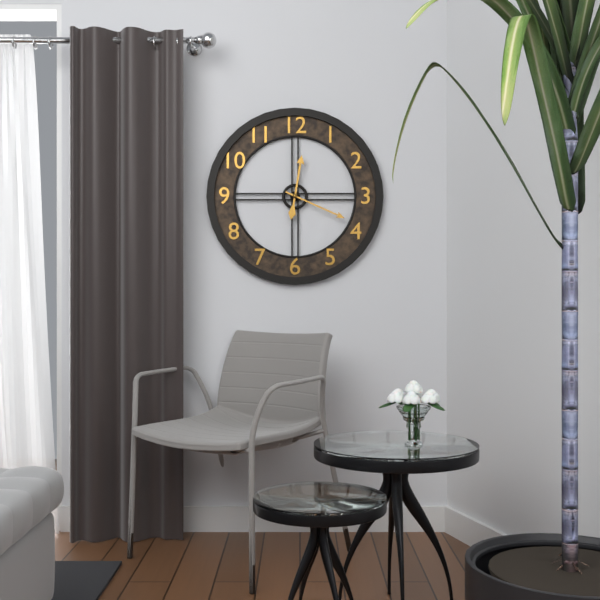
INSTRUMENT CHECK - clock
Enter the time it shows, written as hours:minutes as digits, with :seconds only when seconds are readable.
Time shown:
12:19
